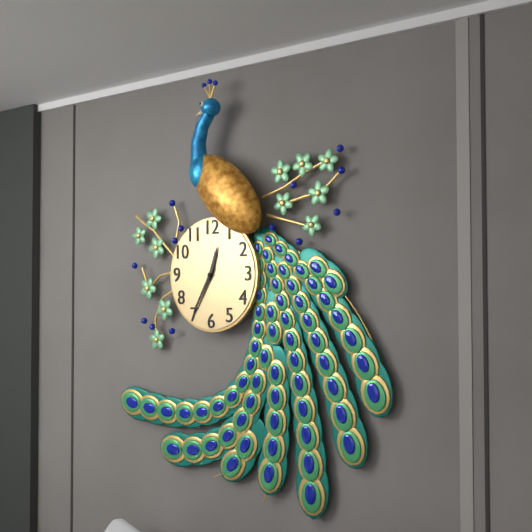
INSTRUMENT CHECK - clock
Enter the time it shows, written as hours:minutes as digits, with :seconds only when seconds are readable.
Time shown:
12:35
